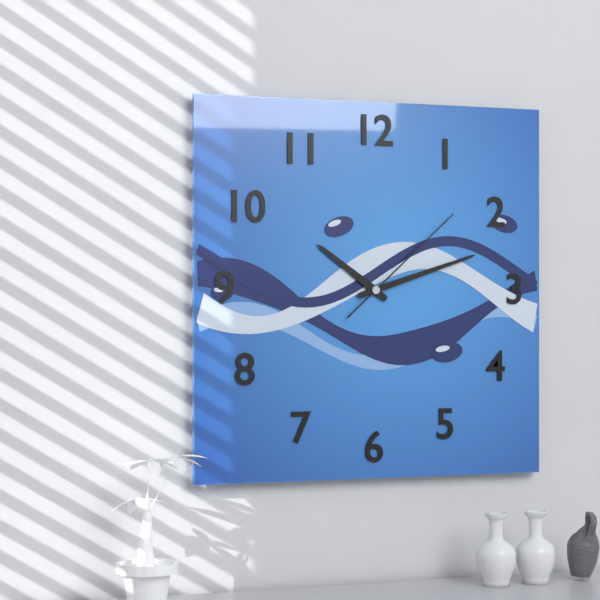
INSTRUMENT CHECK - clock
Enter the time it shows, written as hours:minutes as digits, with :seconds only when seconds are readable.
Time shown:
10:12:08
